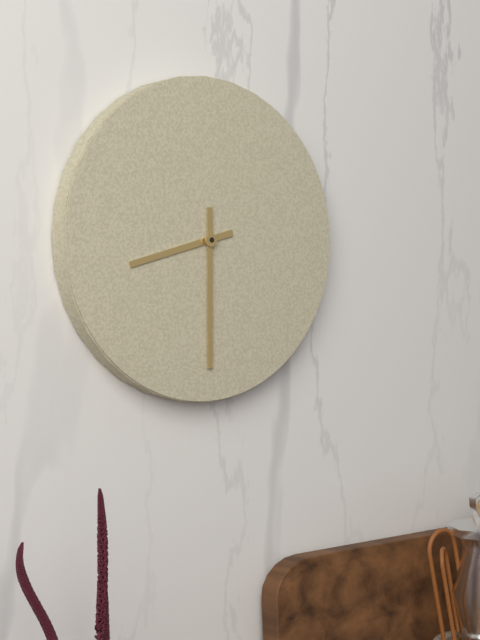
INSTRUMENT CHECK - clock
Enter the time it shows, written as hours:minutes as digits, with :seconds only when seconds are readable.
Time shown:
8:30
